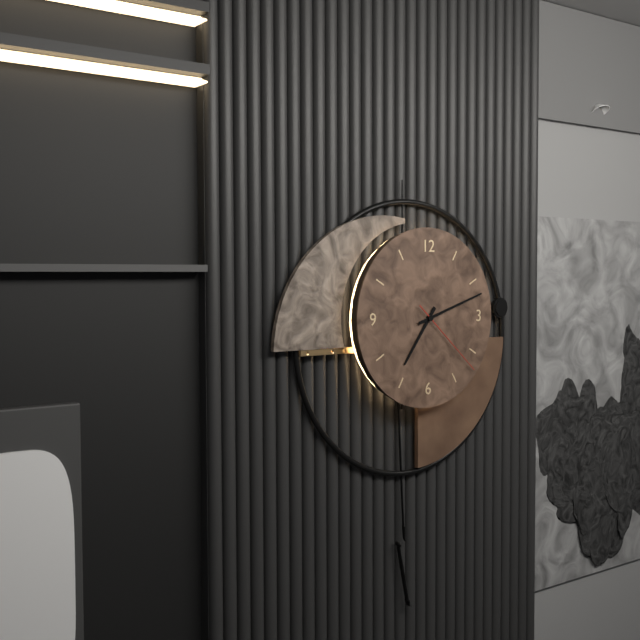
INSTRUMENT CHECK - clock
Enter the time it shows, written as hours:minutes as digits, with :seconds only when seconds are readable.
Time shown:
7:12:22
